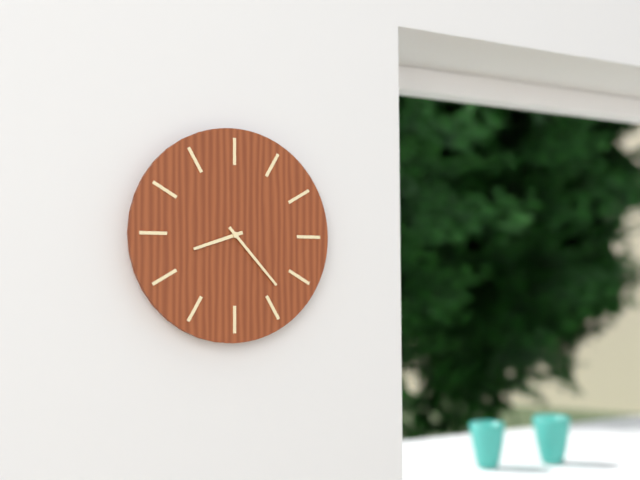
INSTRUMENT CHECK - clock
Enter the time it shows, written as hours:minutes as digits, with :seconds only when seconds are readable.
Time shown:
8:23
